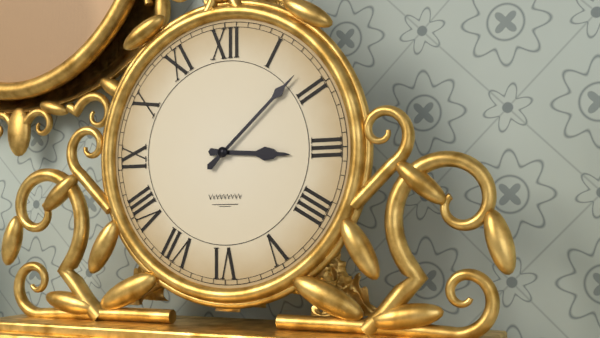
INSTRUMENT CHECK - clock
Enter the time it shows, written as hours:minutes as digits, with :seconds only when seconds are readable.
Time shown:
3:08
